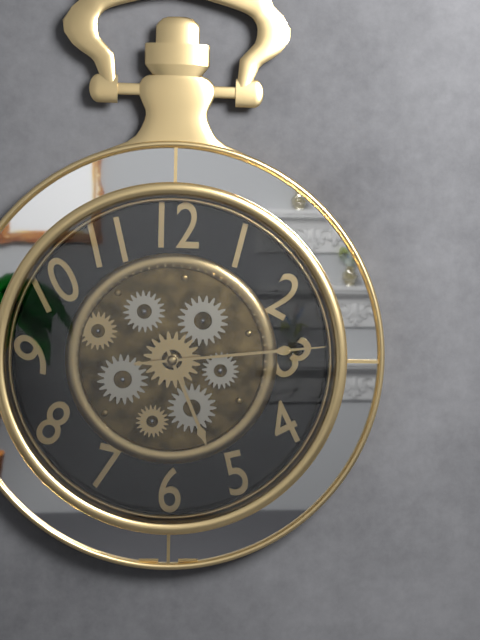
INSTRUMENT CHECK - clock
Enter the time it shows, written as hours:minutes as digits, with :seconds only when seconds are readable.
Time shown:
5:14
